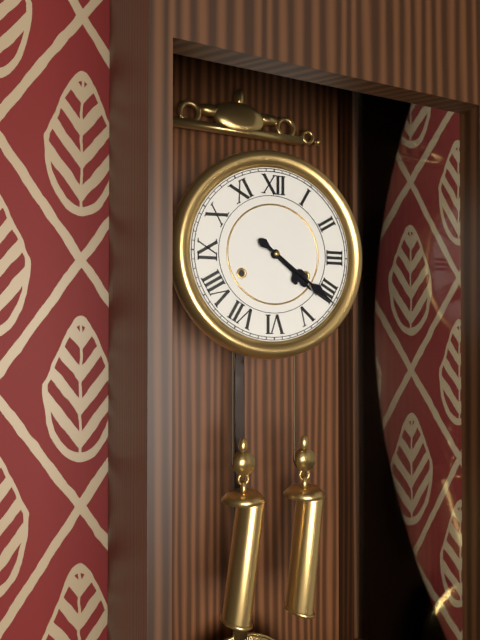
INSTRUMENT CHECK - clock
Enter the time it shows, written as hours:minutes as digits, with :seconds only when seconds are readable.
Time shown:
4:21
